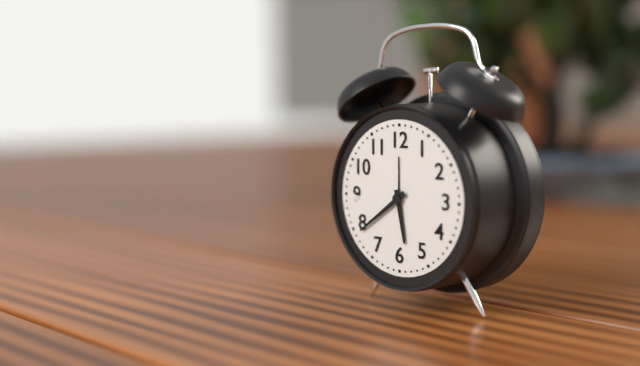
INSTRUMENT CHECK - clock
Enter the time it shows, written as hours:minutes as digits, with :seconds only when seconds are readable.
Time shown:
5:39
